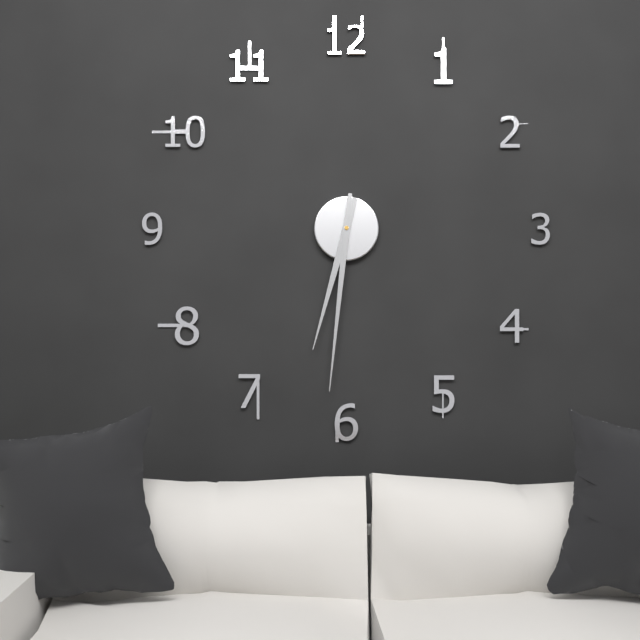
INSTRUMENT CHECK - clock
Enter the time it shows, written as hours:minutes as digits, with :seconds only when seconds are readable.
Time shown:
6:31
